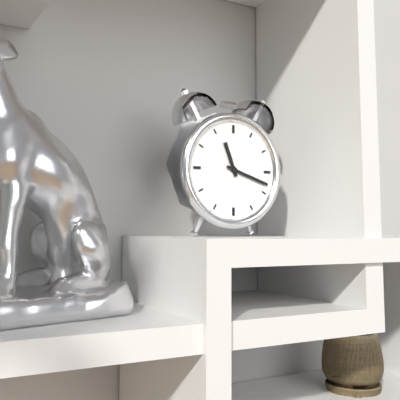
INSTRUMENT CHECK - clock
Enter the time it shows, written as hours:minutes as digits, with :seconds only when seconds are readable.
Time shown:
11:18
